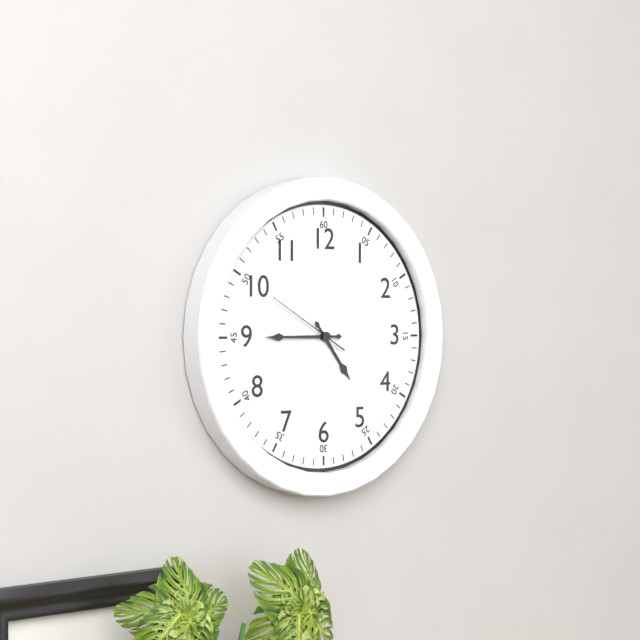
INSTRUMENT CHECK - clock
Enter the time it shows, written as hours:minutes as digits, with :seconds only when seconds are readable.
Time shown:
4:45:50
